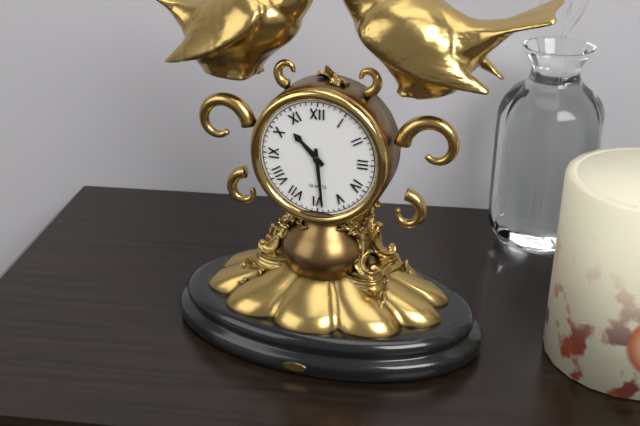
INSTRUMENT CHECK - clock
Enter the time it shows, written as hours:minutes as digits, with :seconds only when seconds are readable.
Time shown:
10:29
